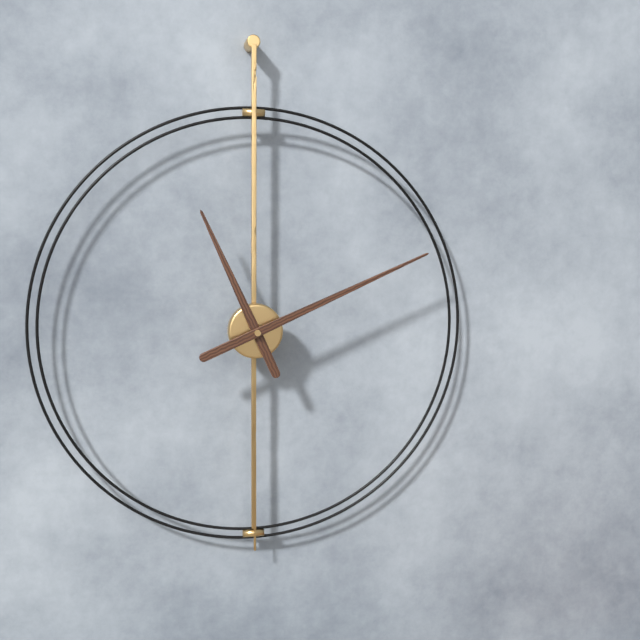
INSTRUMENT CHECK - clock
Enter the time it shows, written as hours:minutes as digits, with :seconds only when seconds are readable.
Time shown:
11:11
